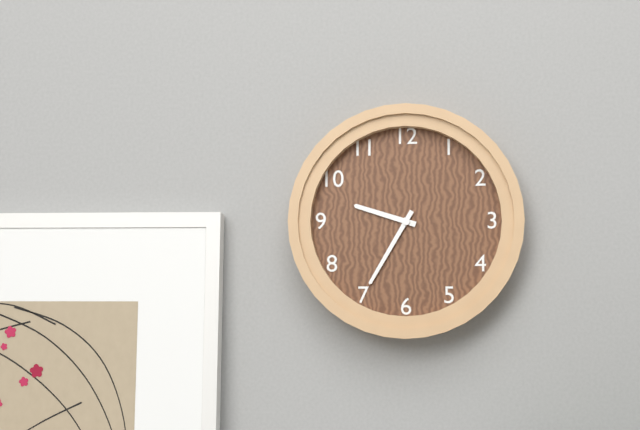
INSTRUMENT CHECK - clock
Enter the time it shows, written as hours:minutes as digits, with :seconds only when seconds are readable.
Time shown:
9:35
